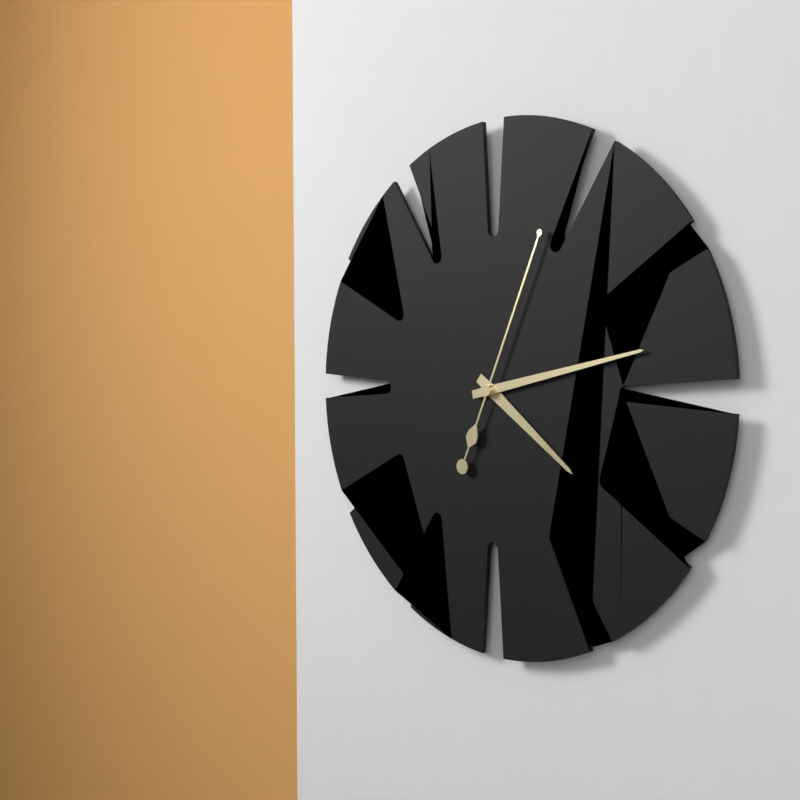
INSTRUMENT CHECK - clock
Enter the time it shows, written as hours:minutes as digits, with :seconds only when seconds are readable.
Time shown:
4:13:04
